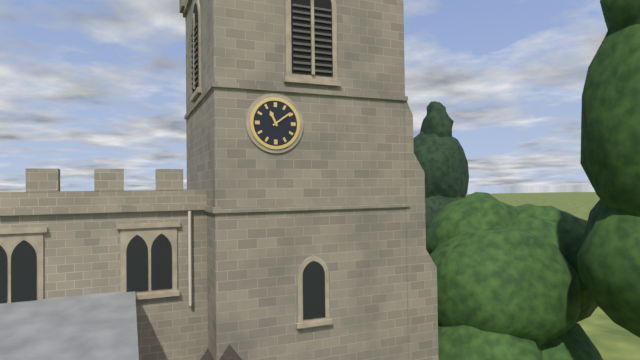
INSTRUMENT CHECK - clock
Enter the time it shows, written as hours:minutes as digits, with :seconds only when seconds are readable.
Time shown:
11:09
